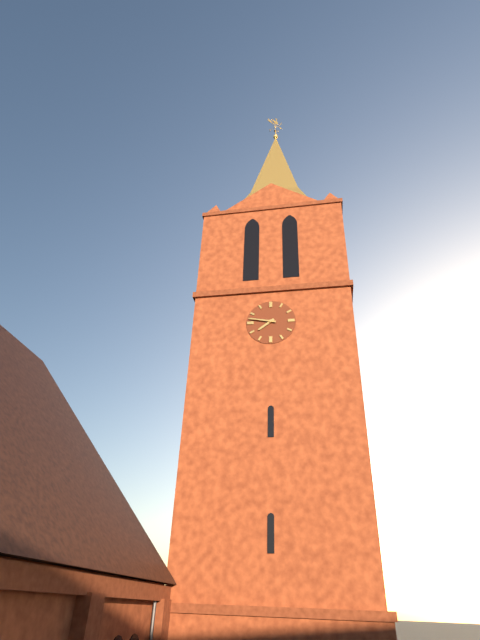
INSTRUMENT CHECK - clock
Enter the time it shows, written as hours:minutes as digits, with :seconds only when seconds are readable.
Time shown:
7:47
